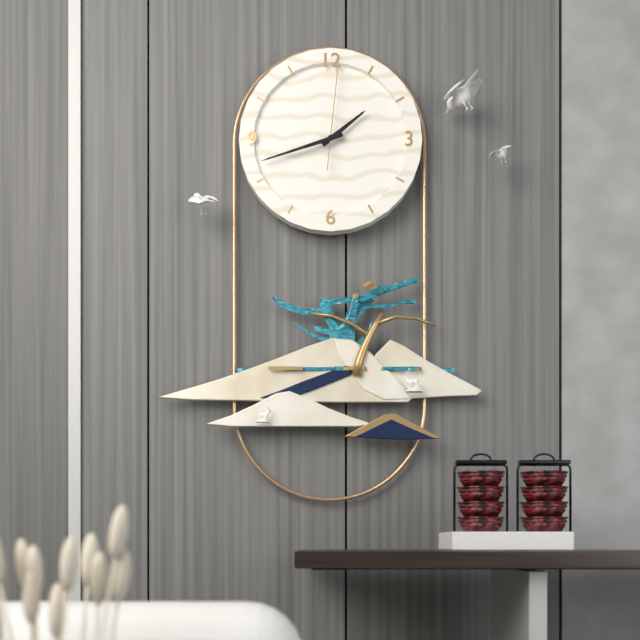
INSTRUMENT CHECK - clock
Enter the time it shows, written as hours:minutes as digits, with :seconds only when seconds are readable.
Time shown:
1:42:01
